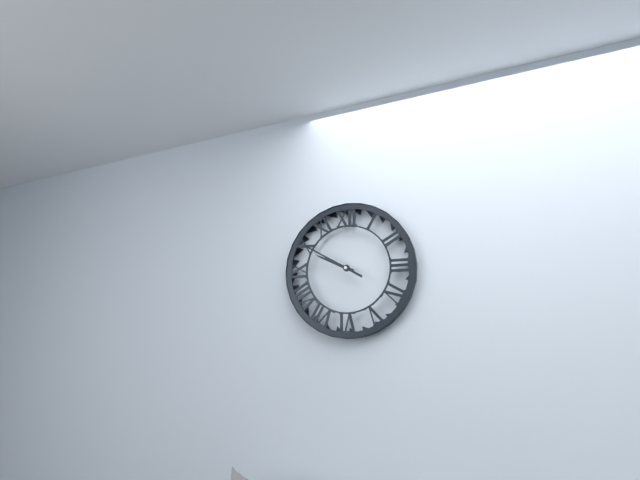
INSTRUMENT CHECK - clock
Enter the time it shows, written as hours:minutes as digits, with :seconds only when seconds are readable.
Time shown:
9:50
